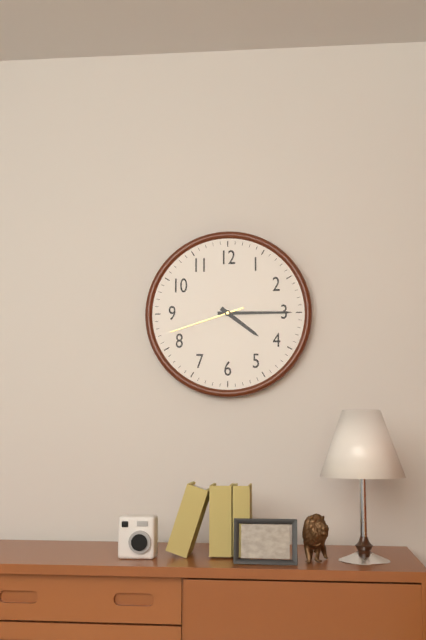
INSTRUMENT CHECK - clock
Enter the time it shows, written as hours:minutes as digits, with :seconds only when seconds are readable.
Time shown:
4:15:42
